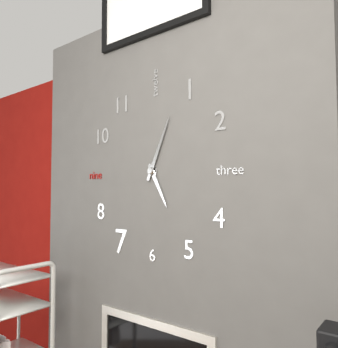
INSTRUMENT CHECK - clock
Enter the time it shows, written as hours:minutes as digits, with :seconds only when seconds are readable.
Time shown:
5:04
